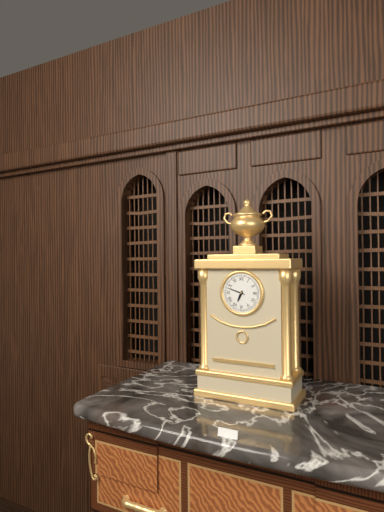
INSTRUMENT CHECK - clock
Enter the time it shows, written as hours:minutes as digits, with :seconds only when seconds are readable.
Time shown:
6:48
